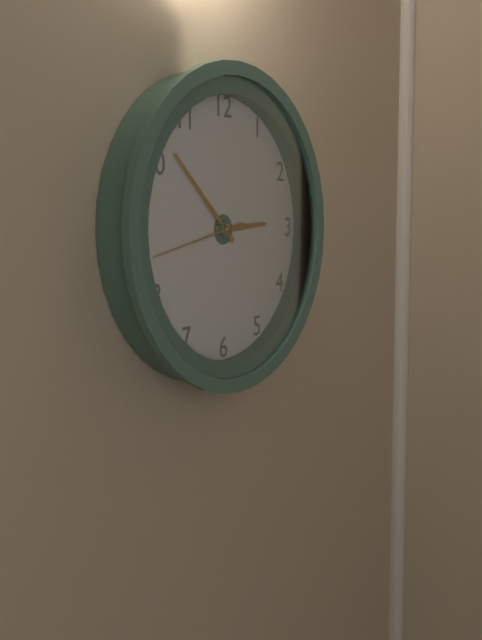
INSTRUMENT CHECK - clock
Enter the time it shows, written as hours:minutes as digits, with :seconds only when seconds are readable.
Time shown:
2:52:43
